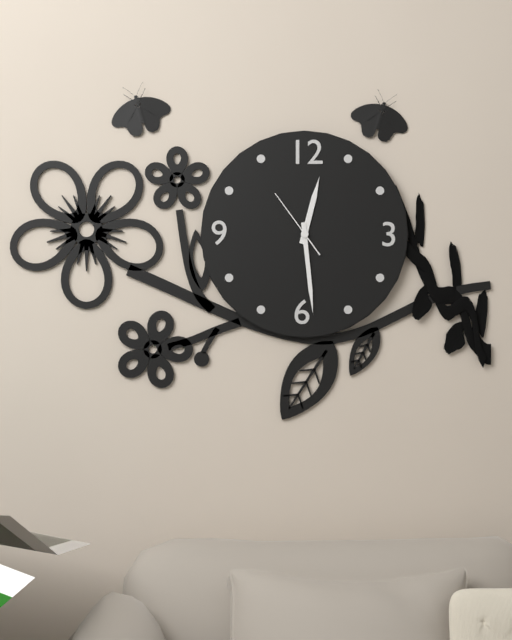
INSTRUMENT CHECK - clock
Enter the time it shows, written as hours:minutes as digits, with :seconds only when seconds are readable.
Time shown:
12:29:54
